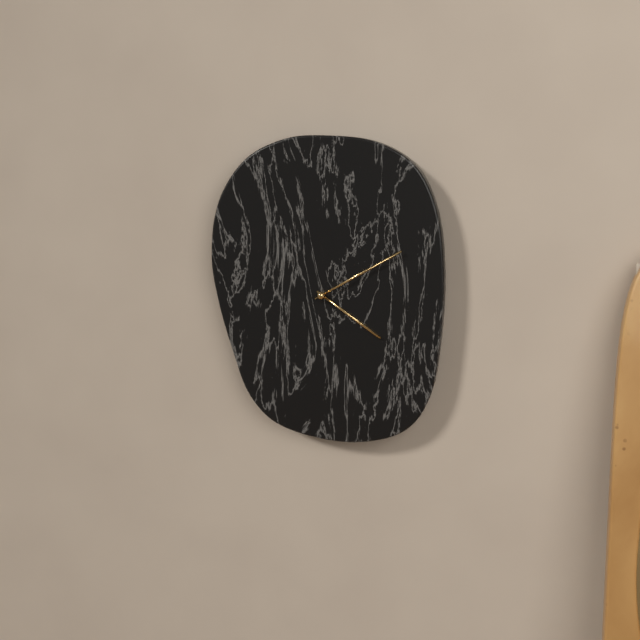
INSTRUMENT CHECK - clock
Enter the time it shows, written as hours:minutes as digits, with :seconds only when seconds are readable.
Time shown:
4:10
